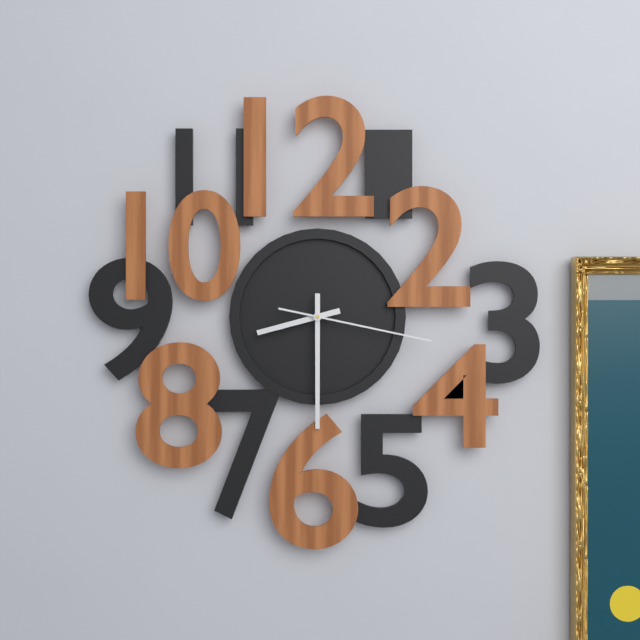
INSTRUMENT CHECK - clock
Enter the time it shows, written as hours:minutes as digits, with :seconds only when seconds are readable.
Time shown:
8:30:17
